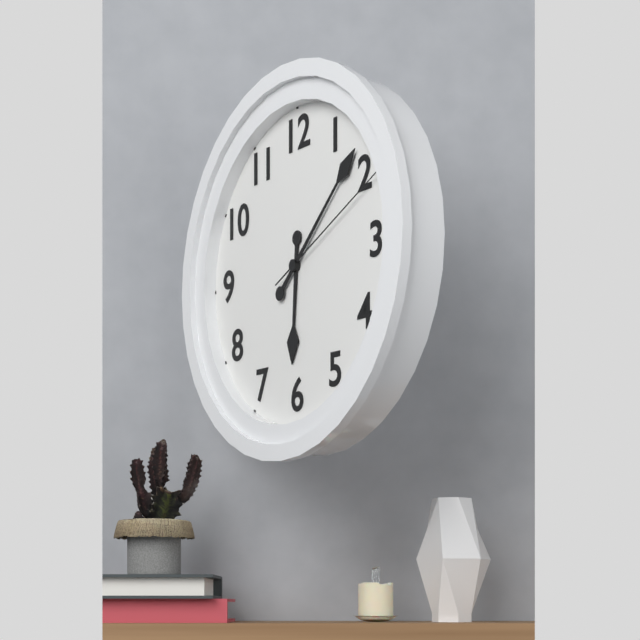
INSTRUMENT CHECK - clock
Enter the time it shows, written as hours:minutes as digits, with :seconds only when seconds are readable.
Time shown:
6:08:11
